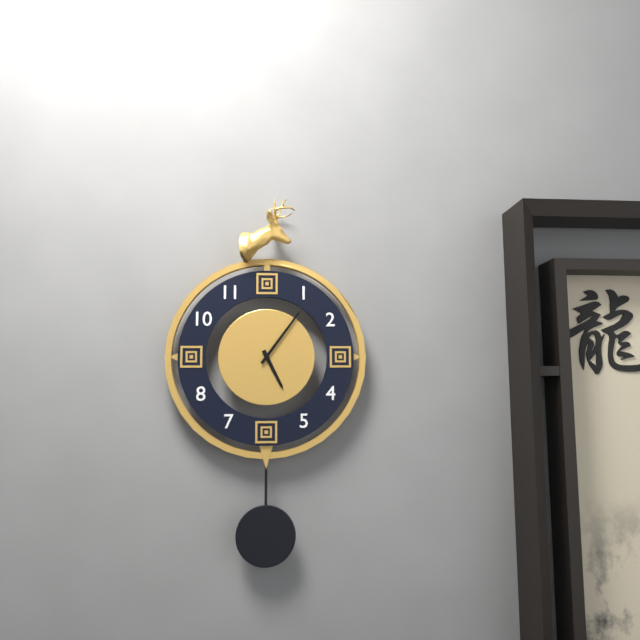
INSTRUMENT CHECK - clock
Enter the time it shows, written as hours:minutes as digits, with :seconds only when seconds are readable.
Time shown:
5:06
